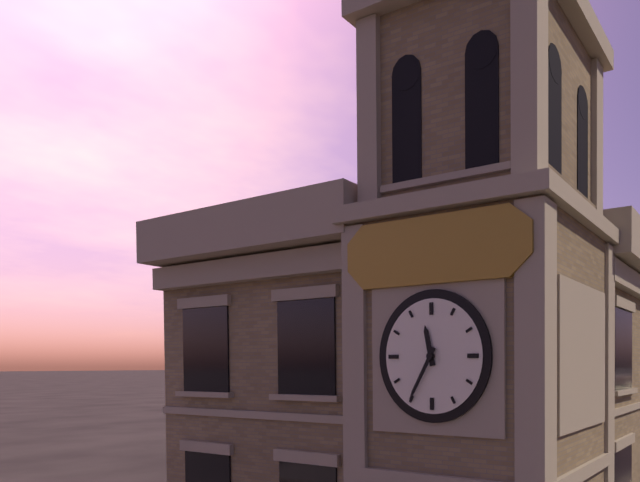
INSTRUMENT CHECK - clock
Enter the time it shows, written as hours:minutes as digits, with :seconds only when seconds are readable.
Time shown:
11:35
